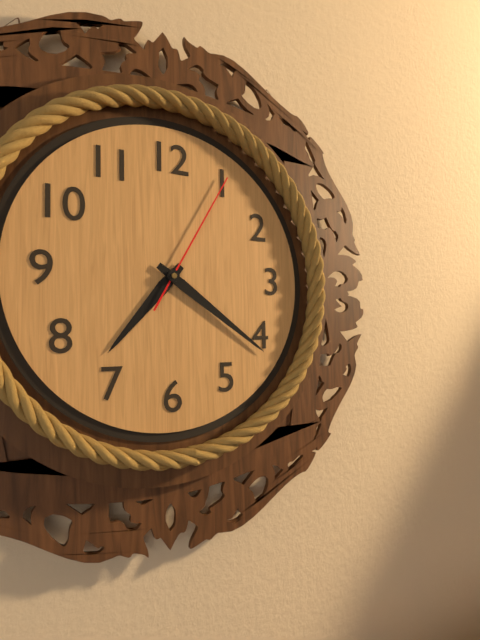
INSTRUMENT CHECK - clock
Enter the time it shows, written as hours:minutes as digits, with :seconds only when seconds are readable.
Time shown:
7:21:05
